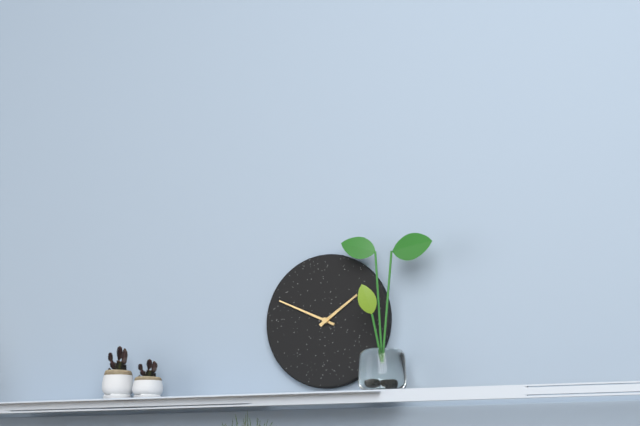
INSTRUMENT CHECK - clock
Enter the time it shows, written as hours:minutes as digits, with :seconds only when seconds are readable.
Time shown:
1:49
